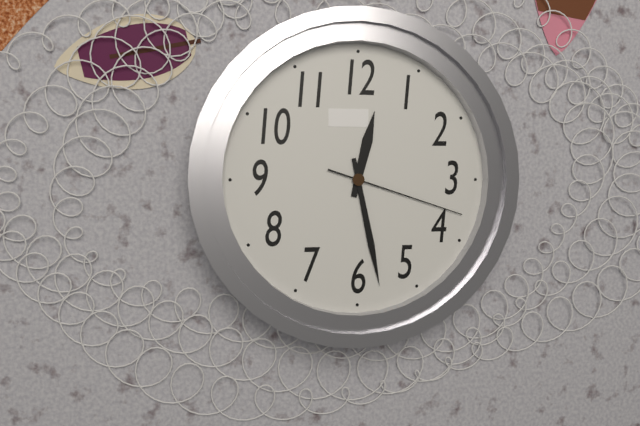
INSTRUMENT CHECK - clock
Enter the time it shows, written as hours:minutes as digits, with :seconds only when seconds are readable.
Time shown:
12:28:18
